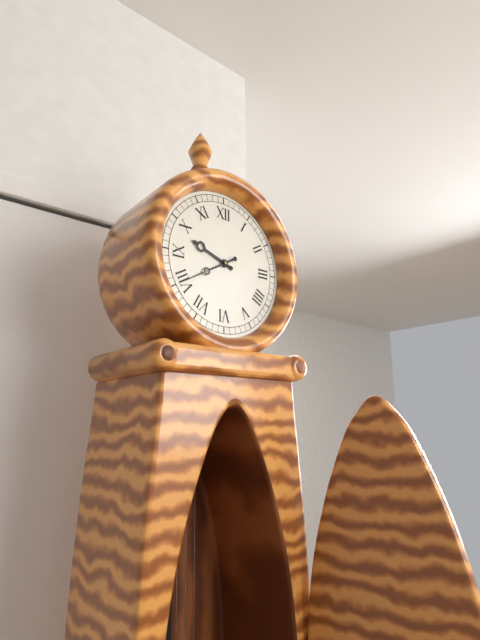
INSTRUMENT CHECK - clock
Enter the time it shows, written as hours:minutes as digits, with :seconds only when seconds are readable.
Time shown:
9:40
